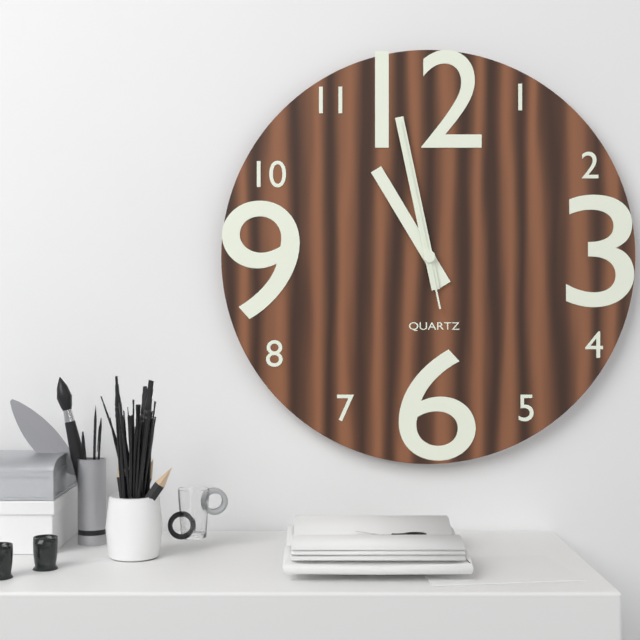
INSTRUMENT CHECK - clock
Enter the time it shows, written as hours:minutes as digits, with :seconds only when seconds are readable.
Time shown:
10:58:58
